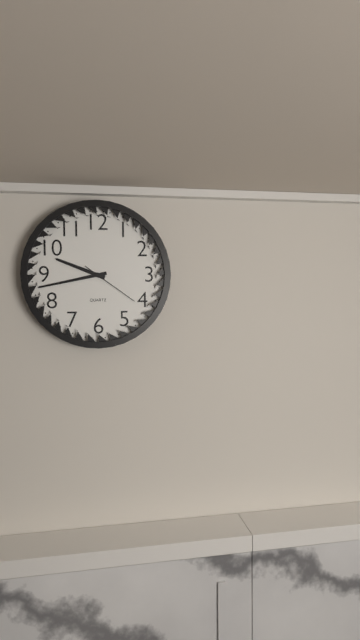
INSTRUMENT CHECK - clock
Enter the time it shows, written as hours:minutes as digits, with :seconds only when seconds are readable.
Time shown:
9:43:21
